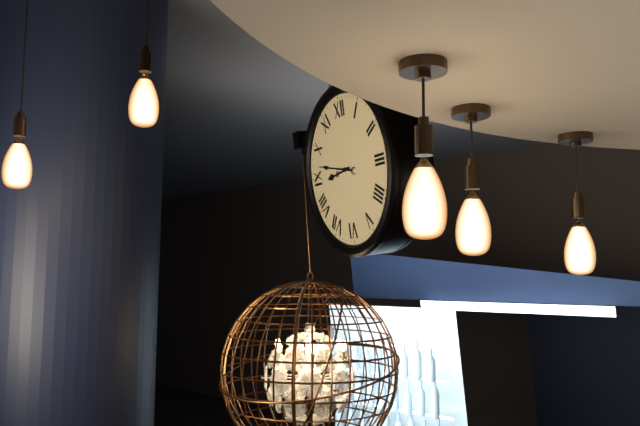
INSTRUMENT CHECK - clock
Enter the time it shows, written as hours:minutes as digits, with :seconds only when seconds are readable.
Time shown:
8:47
